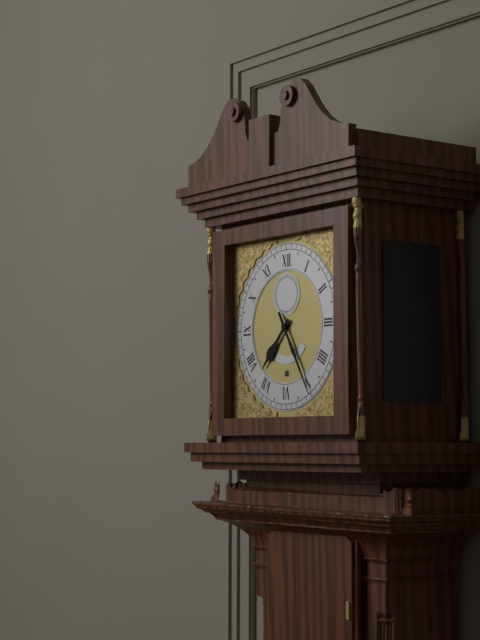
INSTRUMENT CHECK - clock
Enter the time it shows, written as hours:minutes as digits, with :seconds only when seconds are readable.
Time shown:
7:25
